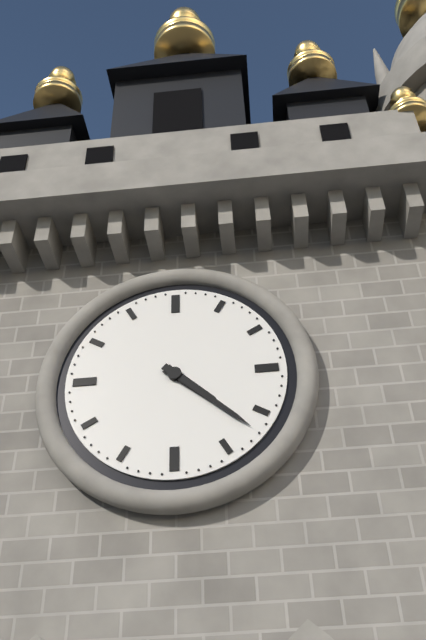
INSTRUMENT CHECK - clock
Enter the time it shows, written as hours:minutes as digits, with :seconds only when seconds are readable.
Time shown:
4:22
